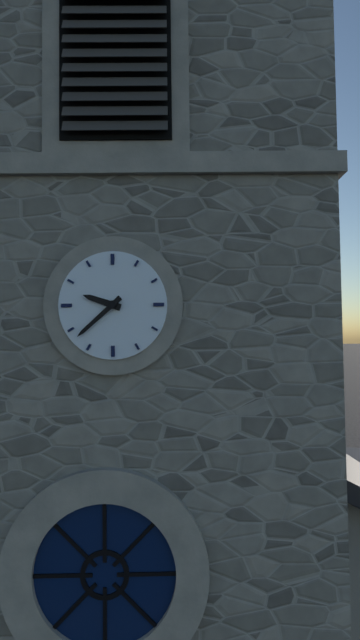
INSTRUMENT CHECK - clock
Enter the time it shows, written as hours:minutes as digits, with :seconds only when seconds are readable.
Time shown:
9:38
